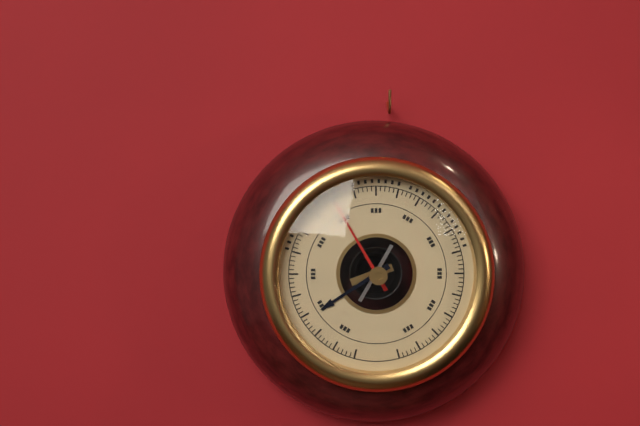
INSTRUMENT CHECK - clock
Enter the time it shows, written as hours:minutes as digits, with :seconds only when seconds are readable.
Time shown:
7:55
